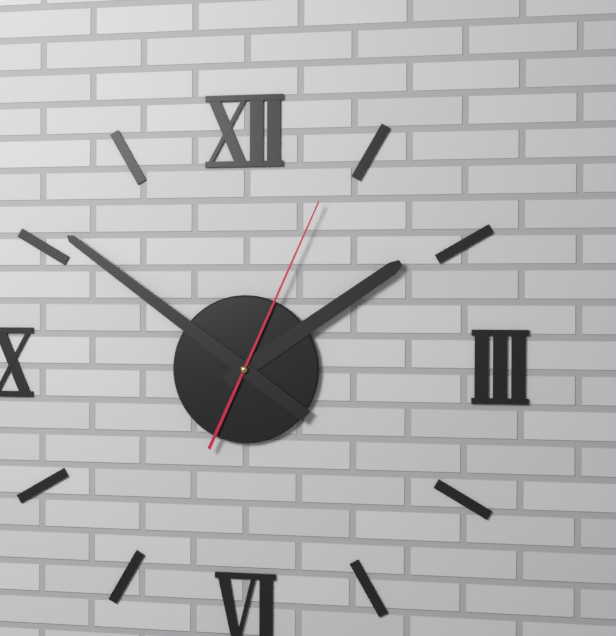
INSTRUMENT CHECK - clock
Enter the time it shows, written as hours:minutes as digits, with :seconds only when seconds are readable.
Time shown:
1:51:04
